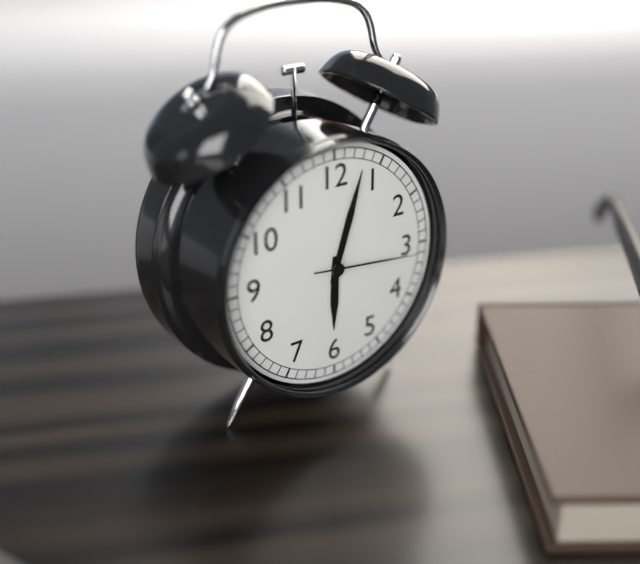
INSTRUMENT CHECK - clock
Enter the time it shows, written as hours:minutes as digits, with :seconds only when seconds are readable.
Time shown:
6:03:16
